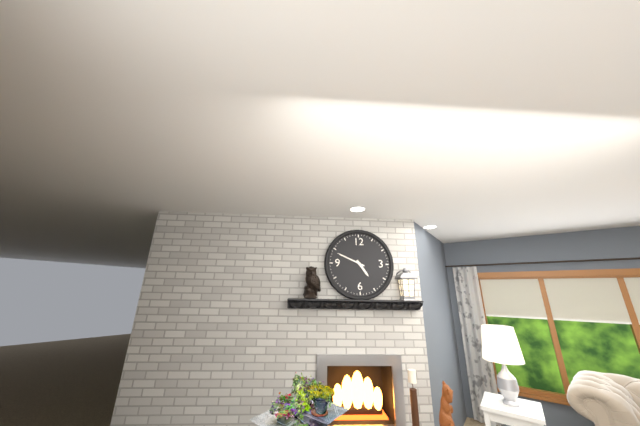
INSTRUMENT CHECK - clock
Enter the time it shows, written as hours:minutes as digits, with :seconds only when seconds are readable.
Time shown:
4:49
